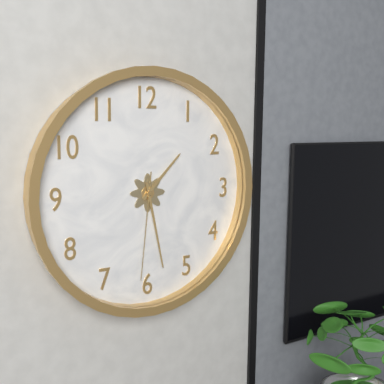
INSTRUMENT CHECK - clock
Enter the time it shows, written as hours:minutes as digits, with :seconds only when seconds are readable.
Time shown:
1:28:31
